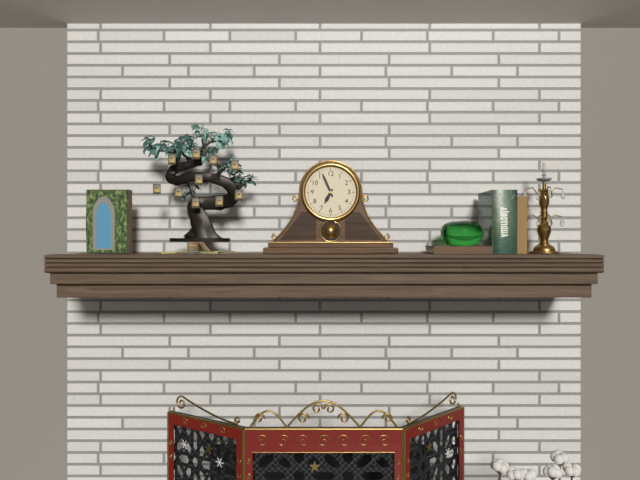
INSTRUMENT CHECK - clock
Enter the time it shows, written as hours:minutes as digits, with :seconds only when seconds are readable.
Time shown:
6:56
